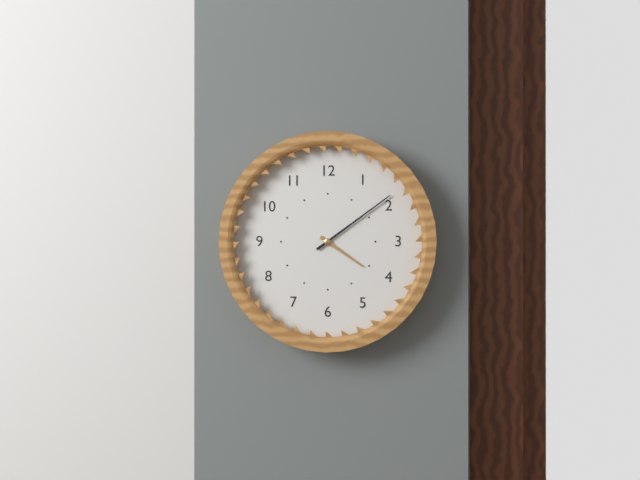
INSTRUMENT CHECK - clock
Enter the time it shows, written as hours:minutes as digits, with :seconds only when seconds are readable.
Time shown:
4:09
